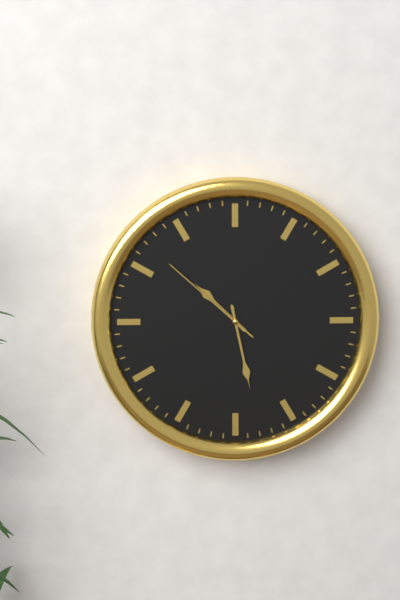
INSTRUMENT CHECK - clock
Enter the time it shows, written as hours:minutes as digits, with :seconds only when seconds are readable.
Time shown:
10:28:52
